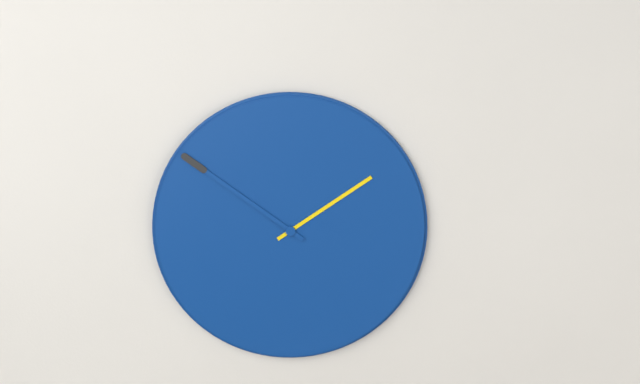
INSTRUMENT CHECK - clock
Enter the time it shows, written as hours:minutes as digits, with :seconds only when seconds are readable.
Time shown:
1:51
